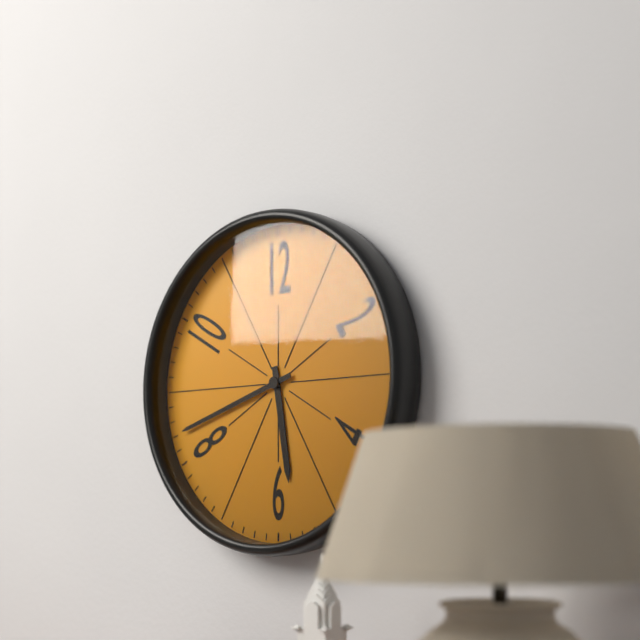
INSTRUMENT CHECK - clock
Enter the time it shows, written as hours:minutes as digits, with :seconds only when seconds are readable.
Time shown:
5:42
